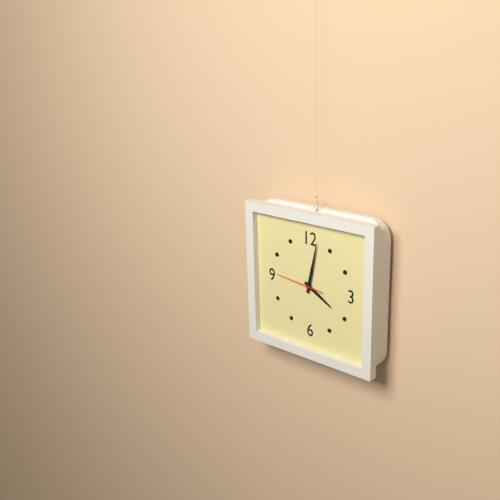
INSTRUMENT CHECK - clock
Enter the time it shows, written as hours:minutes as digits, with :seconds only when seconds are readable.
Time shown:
4:02
